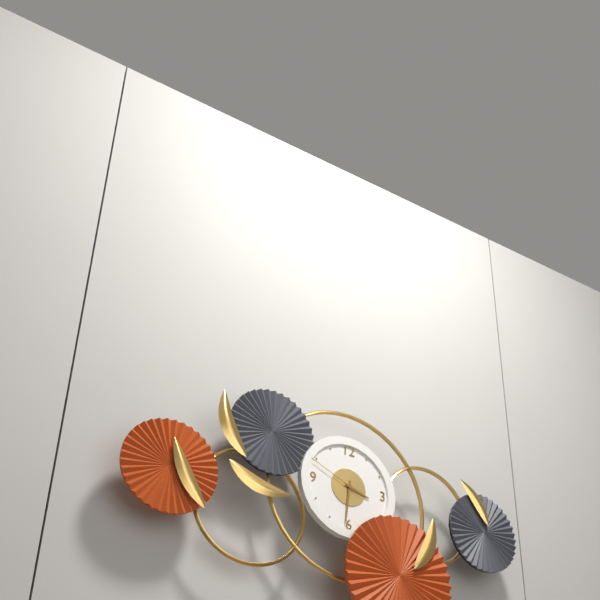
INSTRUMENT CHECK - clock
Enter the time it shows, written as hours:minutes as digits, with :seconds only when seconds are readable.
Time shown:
3:31:49
